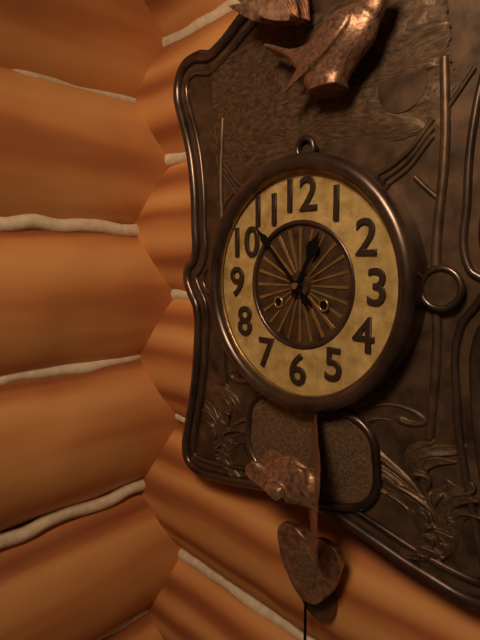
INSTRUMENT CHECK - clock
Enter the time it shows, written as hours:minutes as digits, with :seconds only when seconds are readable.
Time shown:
12:53
